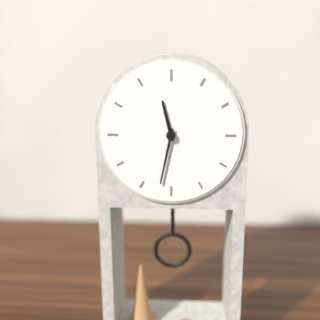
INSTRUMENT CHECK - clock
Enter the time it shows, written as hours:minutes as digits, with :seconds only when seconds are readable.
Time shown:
11:32
